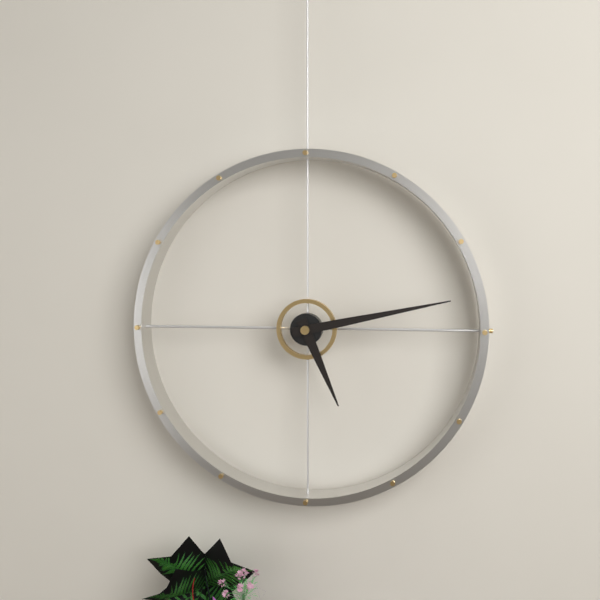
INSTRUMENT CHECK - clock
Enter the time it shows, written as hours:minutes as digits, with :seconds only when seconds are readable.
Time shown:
5:13
